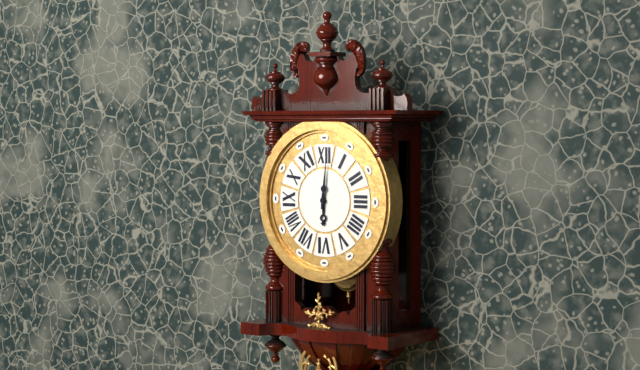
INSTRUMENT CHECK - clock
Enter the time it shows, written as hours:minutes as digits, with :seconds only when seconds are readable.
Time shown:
6:01
